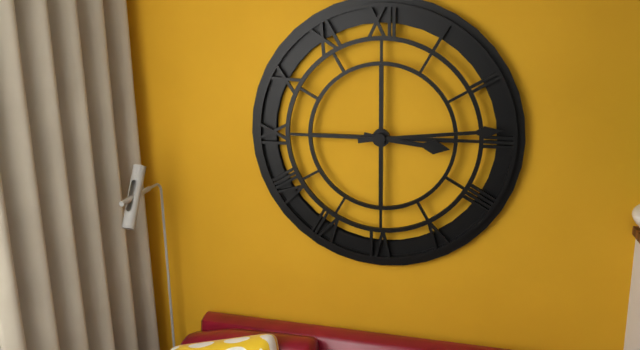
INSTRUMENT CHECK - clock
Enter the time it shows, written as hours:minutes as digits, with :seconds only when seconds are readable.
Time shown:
3:14
